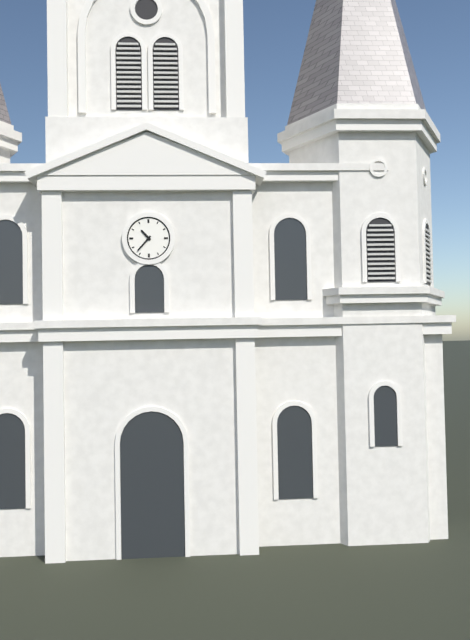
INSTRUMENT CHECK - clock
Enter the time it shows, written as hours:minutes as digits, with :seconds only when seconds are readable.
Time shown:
10:37
